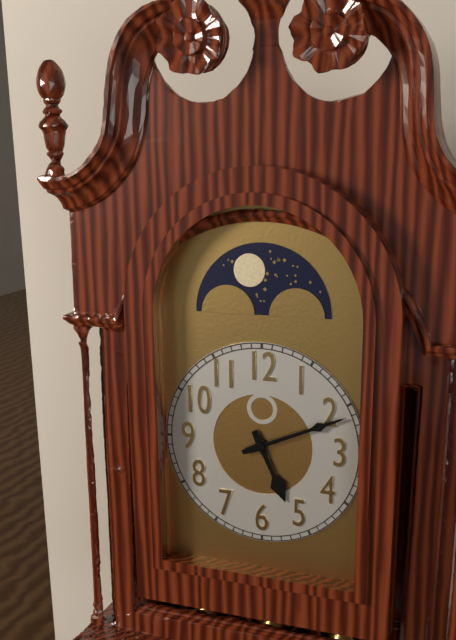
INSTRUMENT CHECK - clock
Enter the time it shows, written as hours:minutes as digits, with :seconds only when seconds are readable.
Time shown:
5:11
